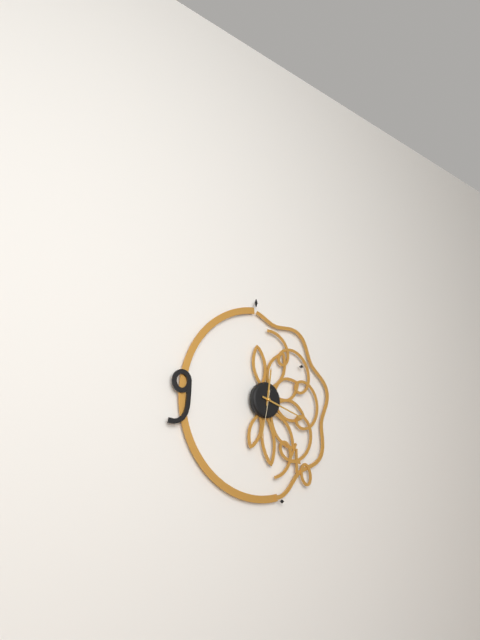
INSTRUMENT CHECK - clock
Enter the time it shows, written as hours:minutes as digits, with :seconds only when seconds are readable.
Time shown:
12:18
